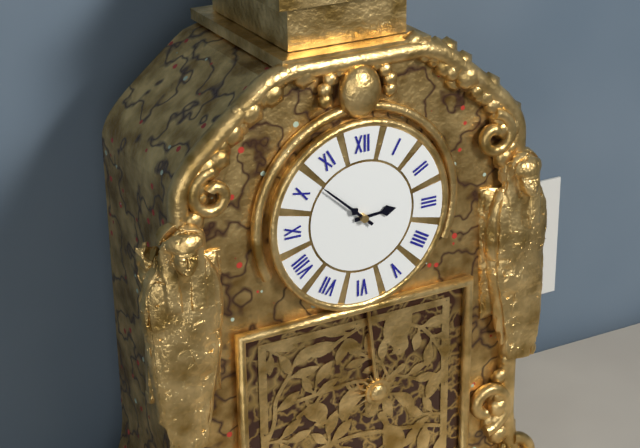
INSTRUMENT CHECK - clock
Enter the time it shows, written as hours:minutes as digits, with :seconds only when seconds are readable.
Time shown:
2:52
